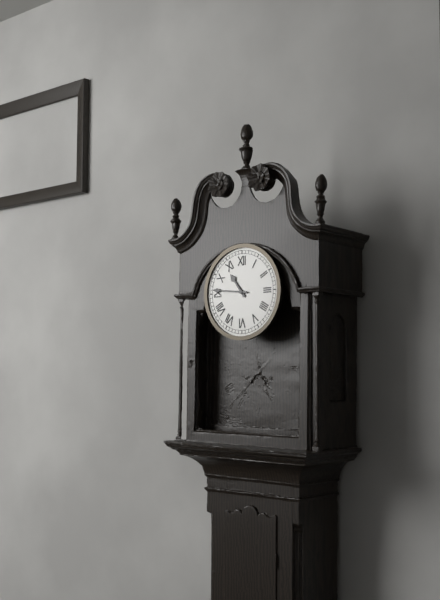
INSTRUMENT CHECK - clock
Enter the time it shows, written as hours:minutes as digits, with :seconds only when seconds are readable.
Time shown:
10:46
